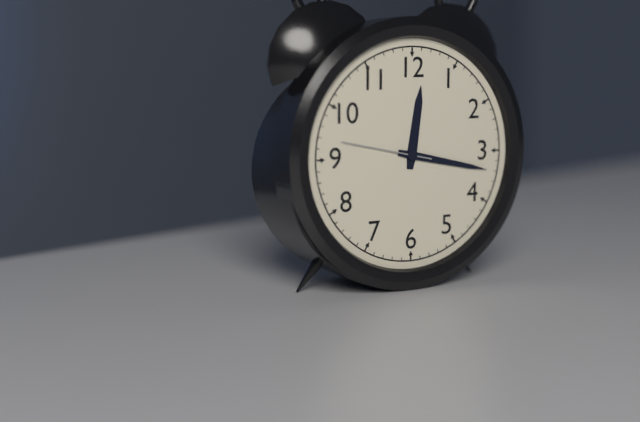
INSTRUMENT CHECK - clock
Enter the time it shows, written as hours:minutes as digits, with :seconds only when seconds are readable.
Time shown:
12:17:47
